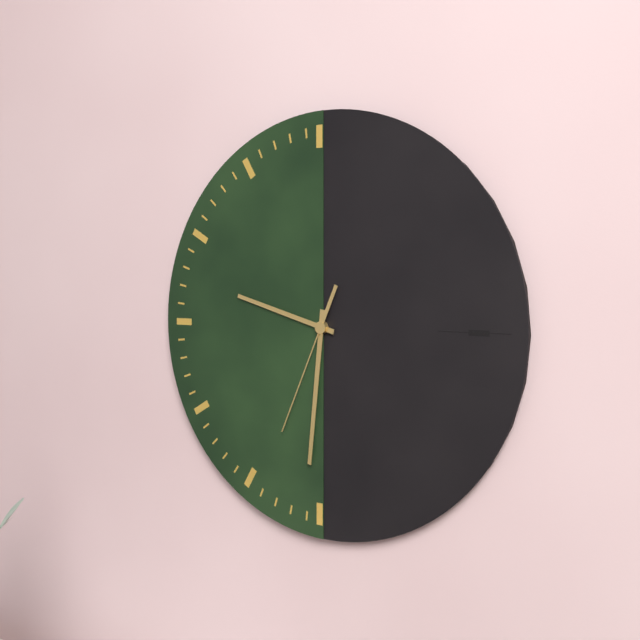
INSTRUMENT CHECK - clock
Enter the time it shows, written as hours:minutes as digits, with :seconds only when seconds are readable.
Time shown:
9:31:34
